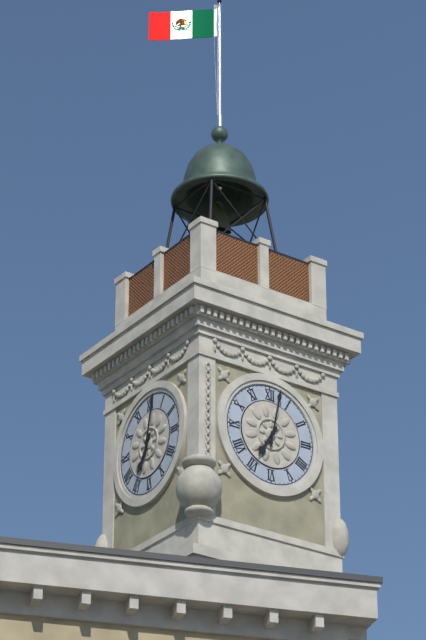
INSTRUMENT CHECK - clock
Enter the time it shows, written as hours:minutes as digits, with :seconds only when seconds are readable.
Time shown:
7:02
